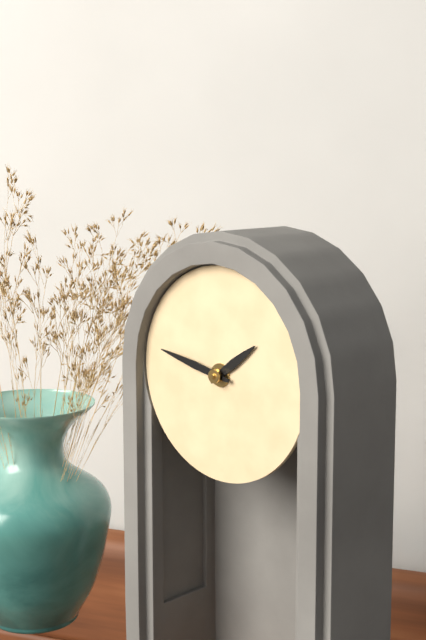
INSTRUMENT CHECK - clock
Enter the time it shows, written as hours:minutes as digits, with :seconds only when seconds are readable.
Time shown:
1:47
